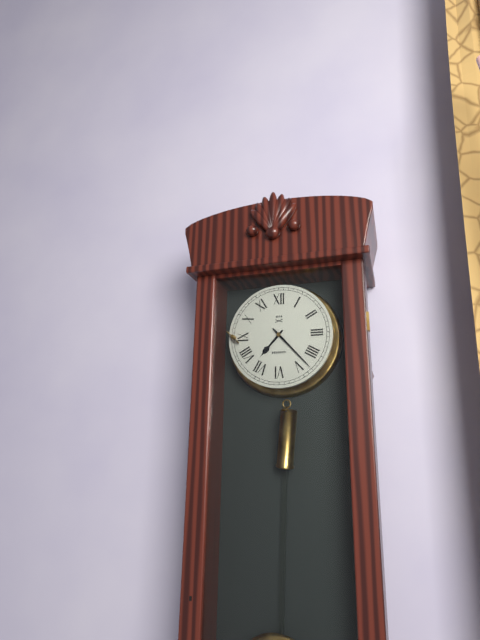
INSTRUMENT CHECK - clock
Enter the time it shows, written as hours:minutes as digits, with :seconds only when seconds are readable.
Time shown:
7:23
